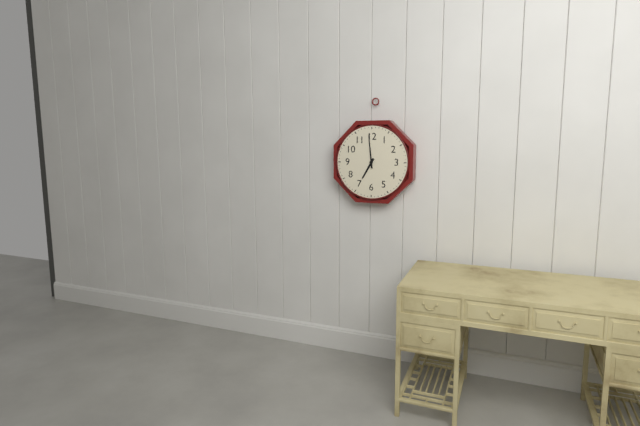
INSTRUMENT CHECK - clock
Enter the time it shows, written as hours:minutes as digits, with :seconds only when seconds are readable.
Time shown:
6:59
